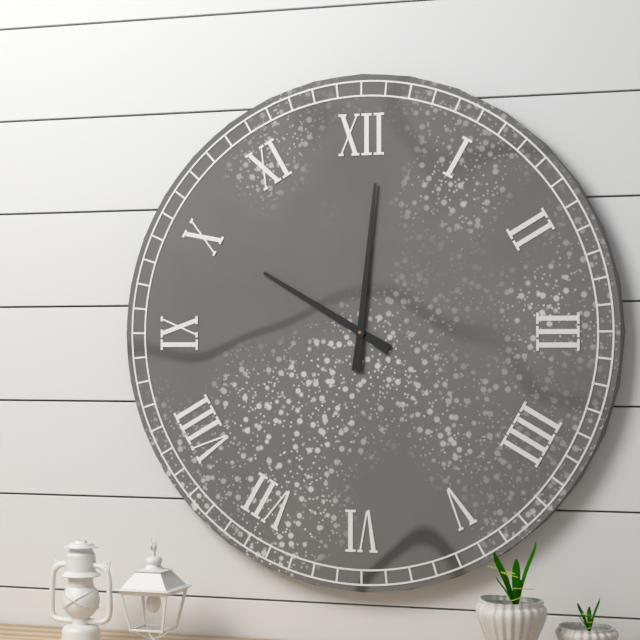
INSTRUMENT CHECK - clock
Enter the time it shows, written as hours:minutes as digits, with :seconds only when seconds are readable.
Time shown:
10:01
